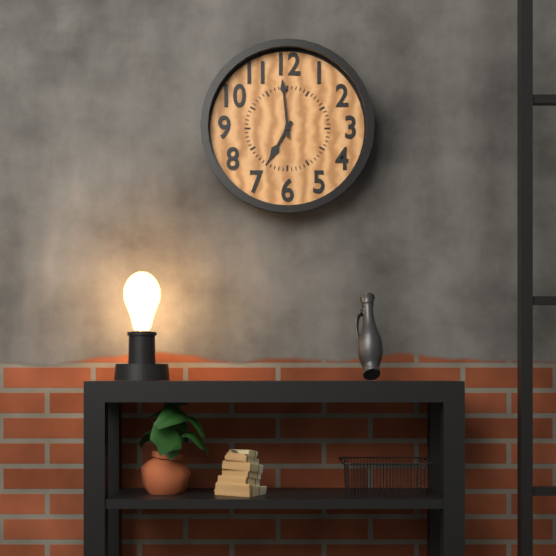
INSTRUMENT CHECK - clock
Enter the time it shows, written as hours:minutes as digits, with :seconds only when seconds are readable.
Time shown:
6:59
